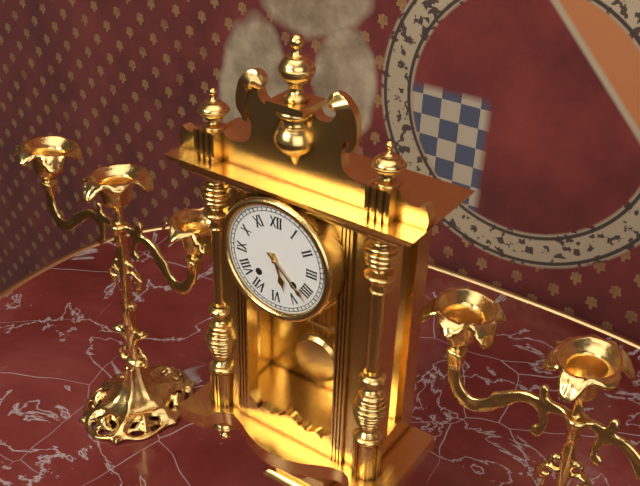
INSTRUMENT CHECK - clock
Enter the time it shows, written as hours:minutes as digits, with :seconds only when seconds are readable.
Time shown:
5:22
